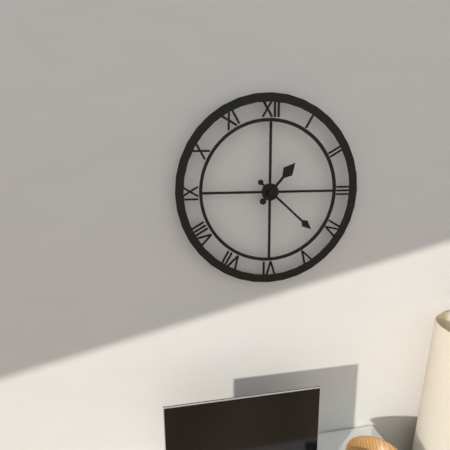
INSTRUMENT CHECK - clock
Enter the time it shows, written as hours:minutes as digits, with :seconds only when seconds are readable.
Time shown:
1:22
